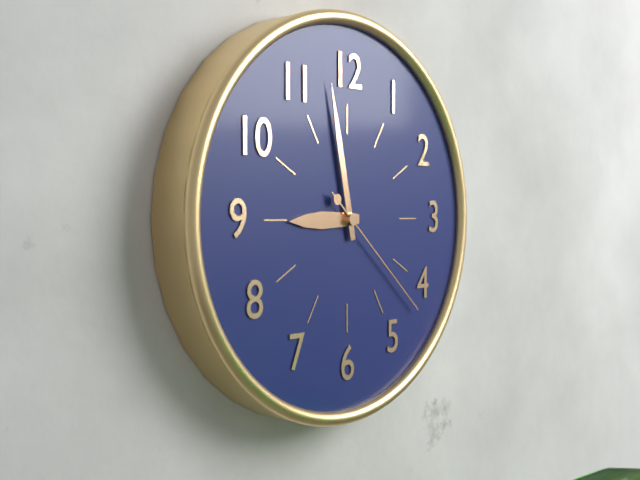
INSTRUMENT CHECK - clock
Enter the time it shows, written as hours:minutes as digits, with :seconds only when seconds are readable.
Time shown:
8:58:22
